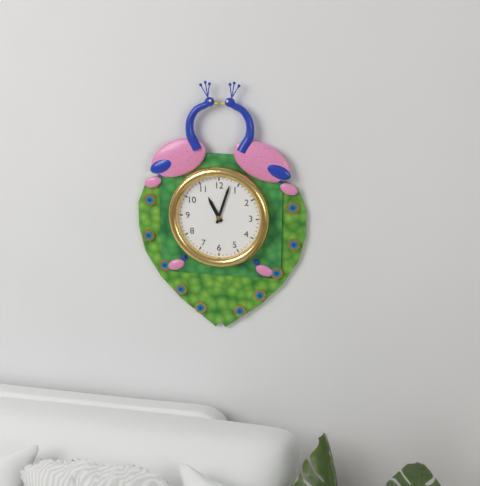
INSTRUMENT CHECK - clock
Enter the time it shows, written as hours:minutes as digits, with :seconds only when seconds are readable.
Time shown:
11:03
